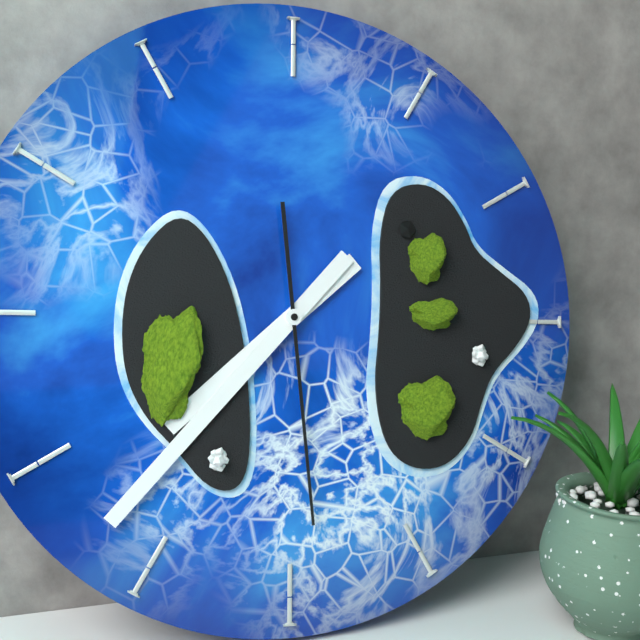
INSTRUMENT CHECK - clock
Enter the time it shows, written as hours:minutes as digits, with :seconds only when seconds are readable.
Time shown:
7:37:29
